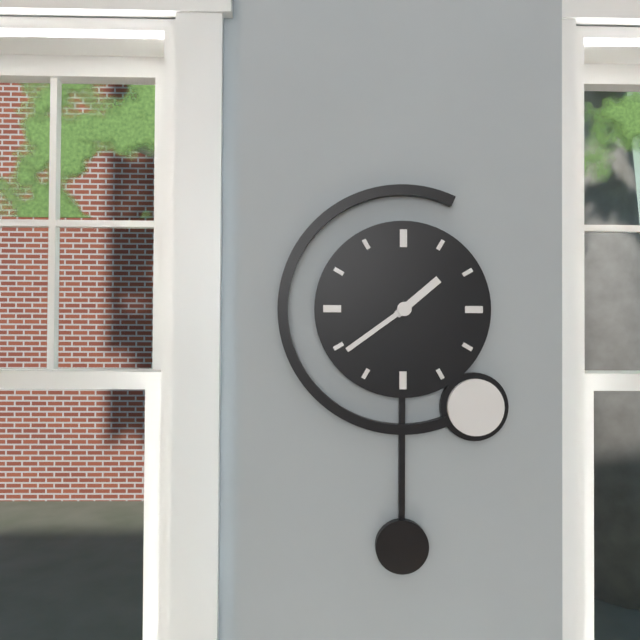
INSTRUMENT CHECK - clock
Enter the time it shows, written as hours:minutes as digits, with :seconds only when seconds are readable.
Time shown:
1:39
